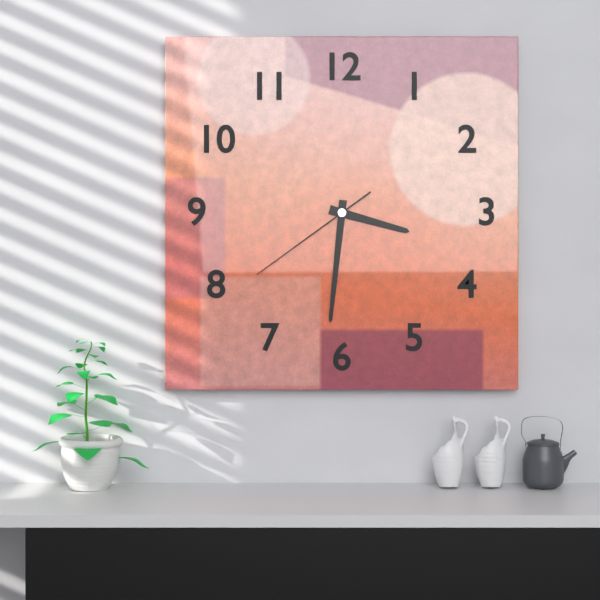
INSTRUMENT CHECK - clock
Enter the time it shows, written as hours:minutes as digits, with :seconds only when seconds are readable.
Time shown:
3:31:39
